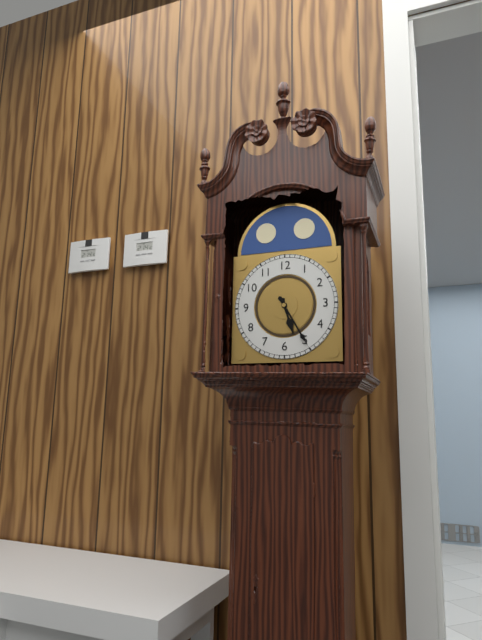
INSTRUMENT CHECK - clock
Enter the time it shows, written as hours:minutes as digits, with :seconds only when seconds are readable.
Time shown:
5:25
